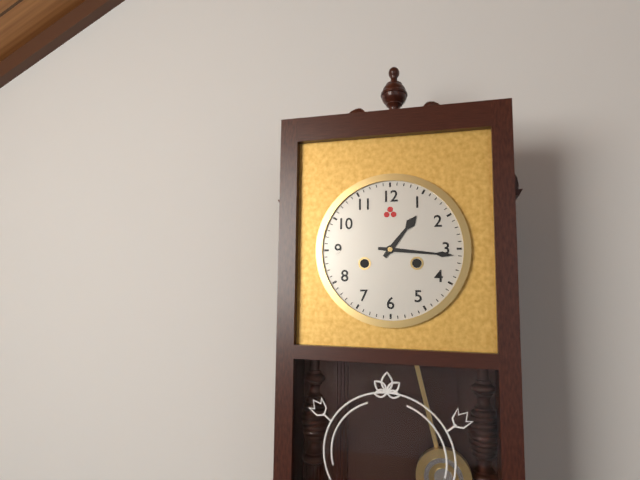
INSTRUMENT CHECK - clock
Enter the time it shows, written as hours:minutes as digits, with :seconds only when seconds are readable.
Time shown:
1:16
